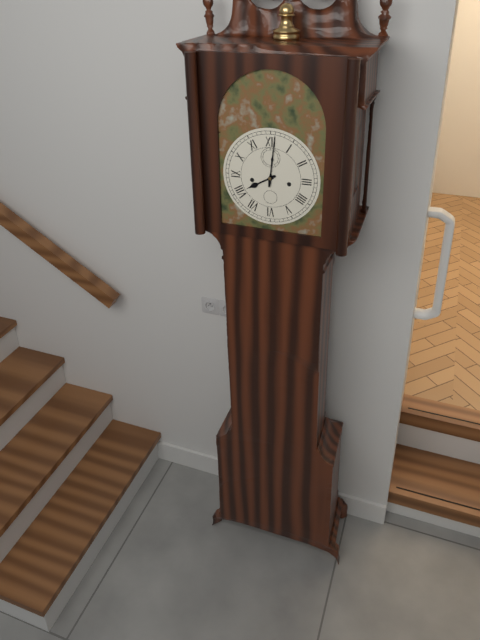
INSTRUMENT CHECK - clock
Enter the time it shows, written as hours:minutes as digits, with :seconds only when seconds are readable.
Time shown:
8:01
